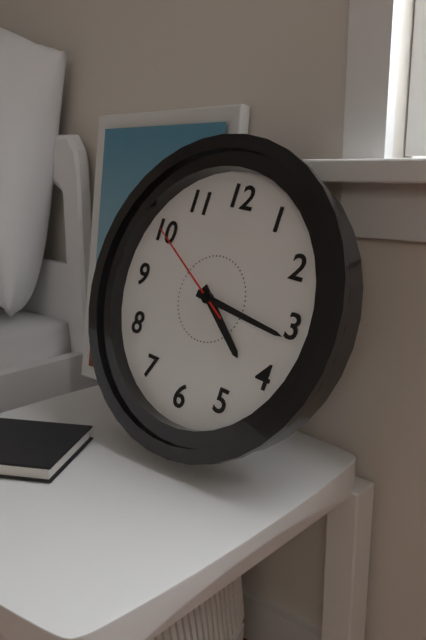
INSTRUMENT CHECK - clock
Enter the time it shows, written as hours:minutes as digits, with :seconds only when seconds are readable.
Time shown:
4:16:50
